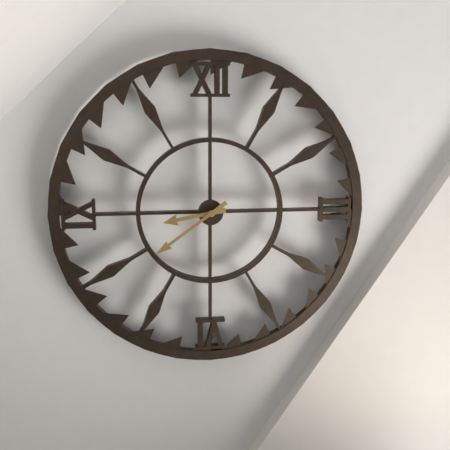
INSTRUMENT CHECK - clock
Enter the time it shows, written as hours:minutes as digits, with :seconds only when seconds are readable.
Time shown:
8:39
